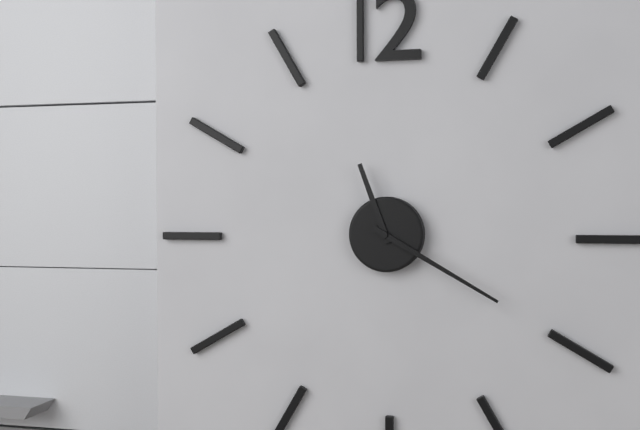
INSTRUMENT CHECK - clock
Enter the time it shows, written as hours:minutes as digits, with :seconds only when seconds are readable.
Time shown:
11:20
